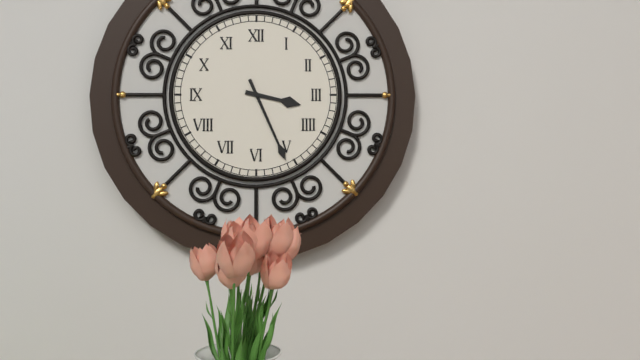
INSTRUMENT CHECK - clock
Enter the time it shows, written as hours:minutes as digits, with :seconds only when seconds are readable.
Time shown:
3:26
